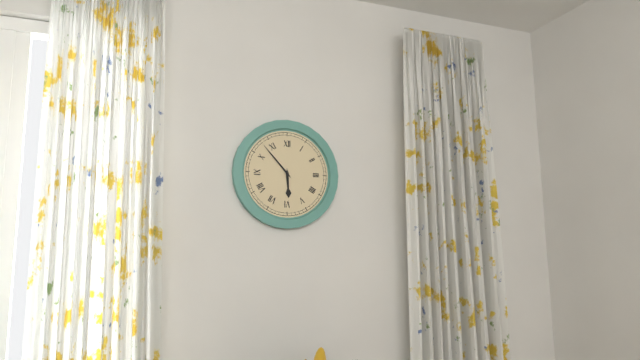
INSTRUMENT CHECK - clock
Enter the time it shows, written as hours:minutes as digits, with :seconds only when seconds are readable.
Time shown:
5:53
